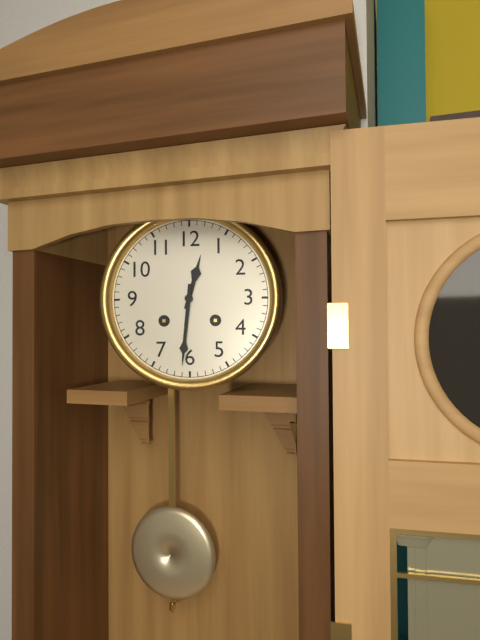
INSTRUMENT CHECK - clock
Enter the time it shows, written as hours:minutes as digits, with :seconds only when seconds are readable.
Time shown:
12:31
